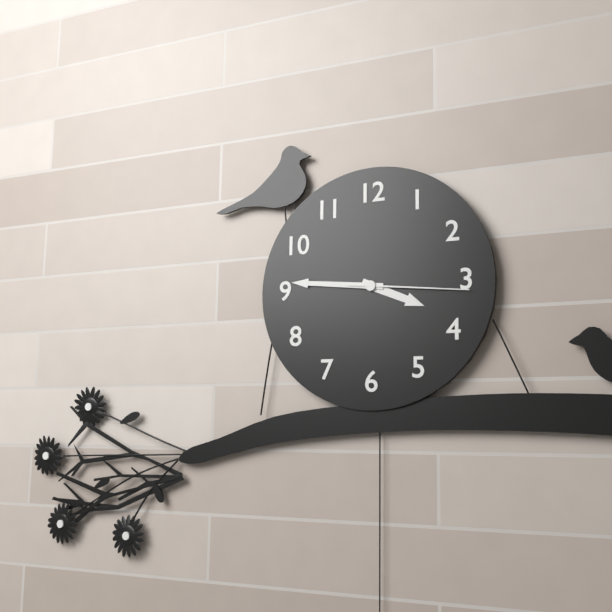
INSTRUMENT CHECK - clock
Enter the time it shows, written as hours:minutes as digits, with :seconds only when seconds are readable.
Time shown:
3:46:16
